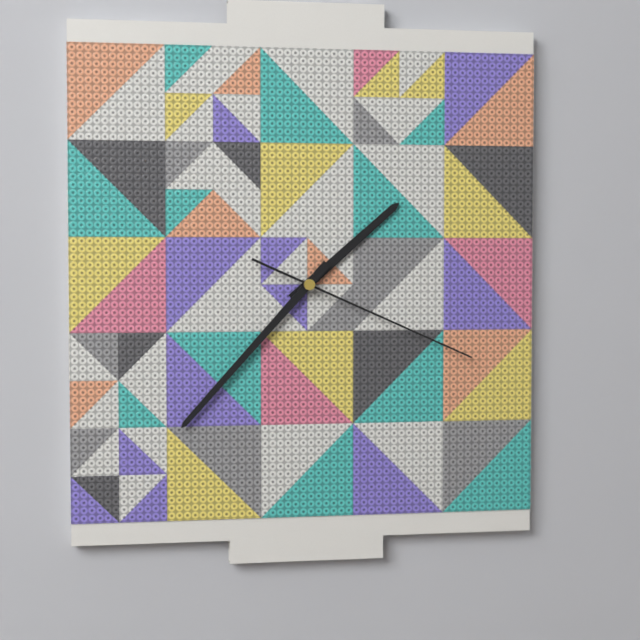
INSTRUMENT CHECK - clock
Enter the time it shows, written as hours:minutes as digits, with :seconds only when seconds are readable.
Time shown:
1:37:19
